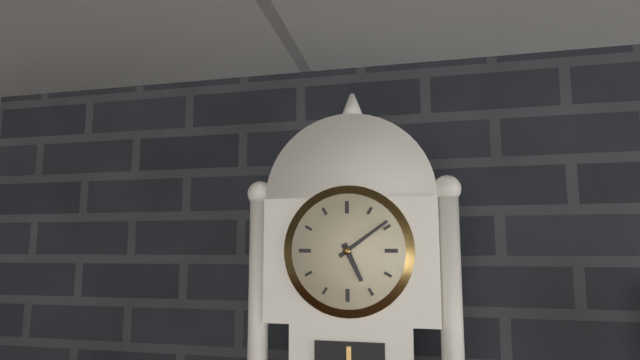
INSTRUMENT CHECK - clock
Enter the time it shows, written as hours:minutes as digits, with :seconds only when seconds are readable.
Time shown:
5:09
